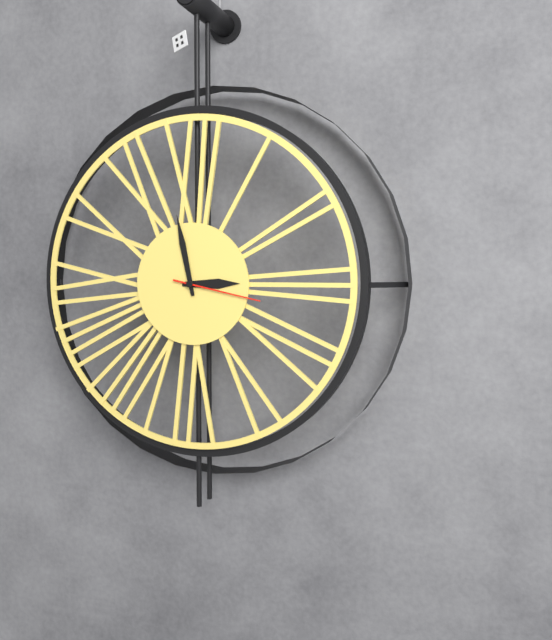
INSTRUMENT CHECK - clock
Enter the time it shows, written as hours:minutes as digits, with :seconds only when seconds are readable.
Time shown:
2:58:17
